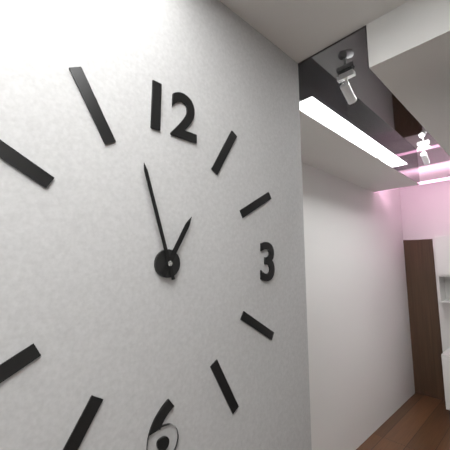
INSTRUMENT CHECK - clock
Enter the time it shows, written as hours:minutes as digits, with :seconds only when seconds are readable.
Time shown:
12:57
